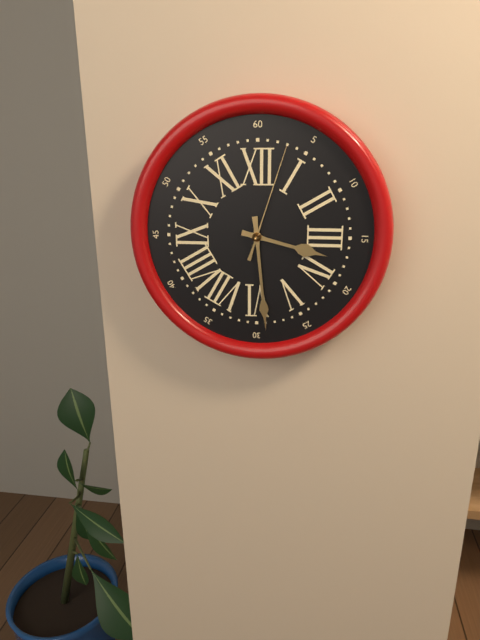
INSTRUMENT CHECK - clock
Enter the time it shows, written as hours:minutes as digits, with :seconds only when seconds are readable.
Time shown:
3:29:03
